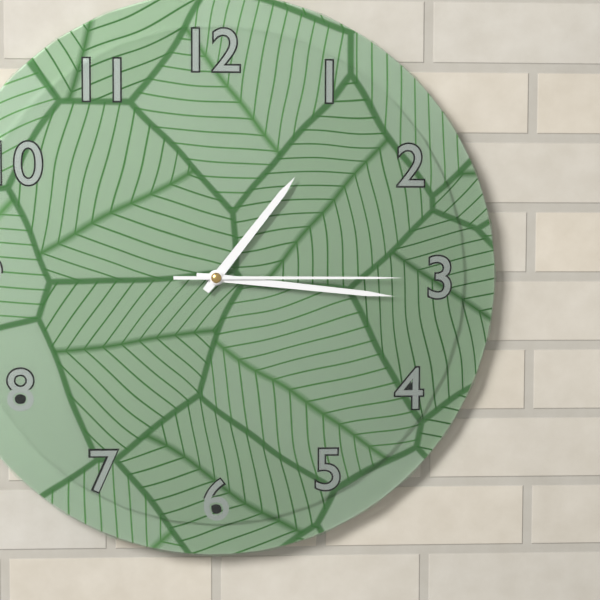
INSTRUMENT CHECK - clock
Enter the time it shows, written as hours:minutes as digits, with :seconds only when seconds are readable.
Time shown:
1:16:15
